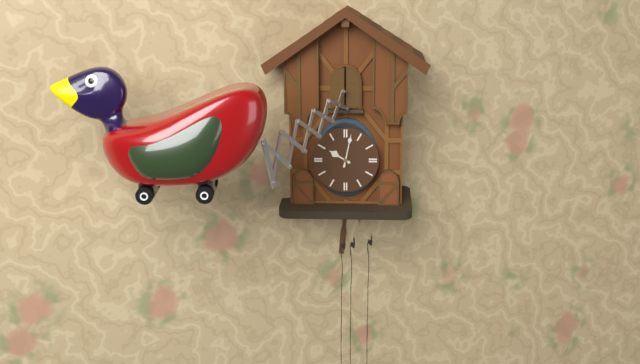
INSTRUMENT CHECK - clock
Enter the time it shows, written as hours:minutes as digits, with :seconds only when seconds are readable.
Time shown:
10:02
